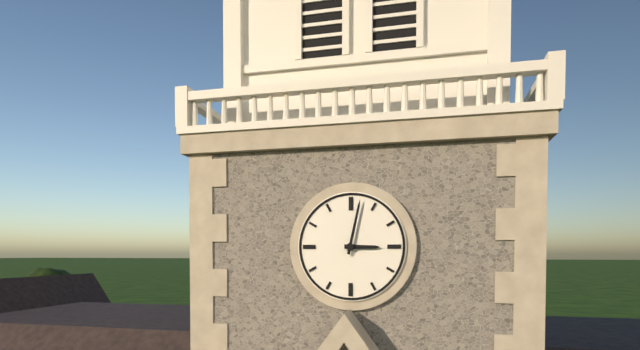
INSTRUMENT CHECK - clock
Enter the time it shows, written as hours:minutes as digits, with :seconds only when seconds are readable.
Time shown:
3:02
